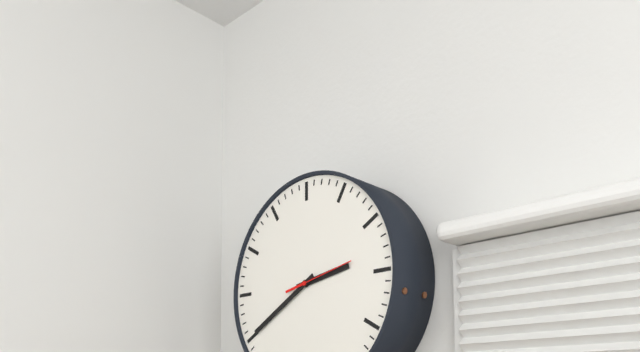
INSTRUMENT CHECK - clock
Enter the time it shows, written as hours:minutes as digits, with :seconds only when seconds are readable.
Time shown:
2:40:13
